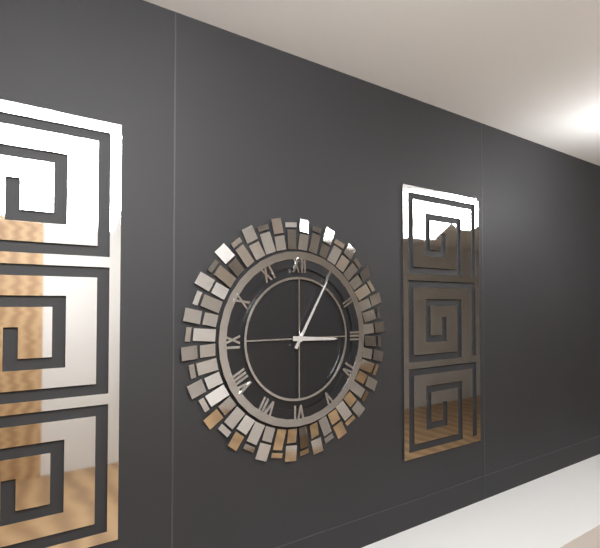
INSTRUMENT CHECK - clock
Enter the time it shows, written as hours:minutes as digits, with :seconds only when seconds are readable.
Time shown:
3:05
